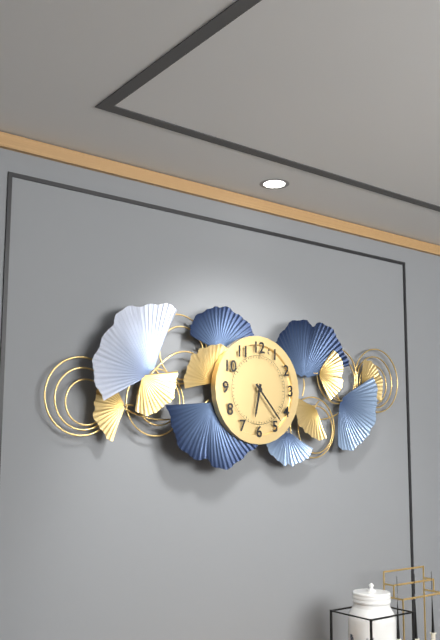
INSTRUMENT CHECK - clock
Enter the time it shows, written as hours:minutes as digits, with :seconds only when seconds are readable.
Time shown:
6:23
